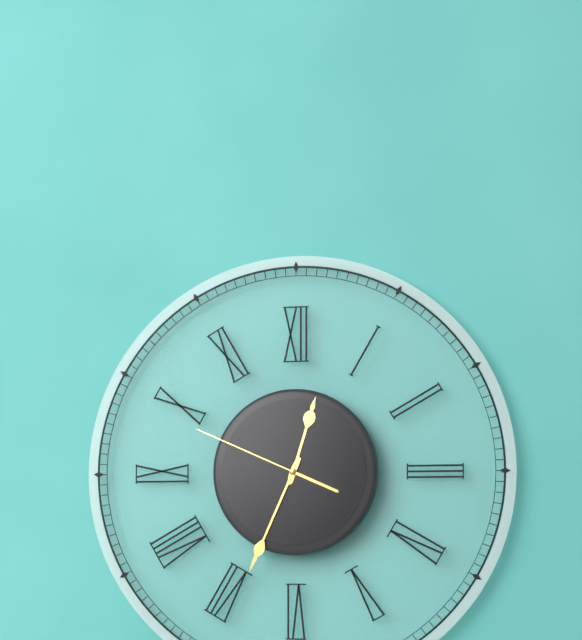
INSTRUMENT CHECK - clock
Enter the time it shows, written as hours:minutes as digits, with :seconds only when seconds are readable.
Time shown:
12:34:49
